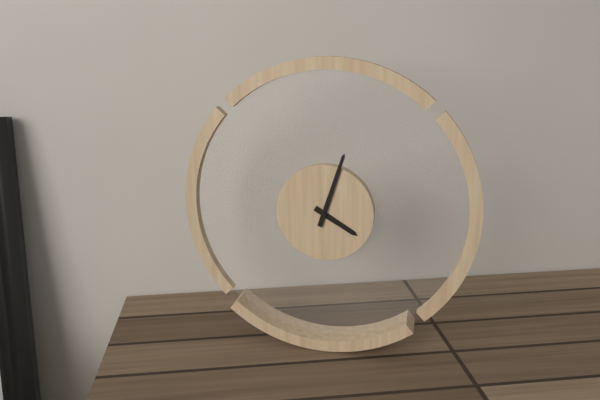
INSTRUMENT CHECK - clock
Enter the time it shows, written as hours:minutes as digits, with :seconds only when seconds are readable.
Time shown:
4:03
